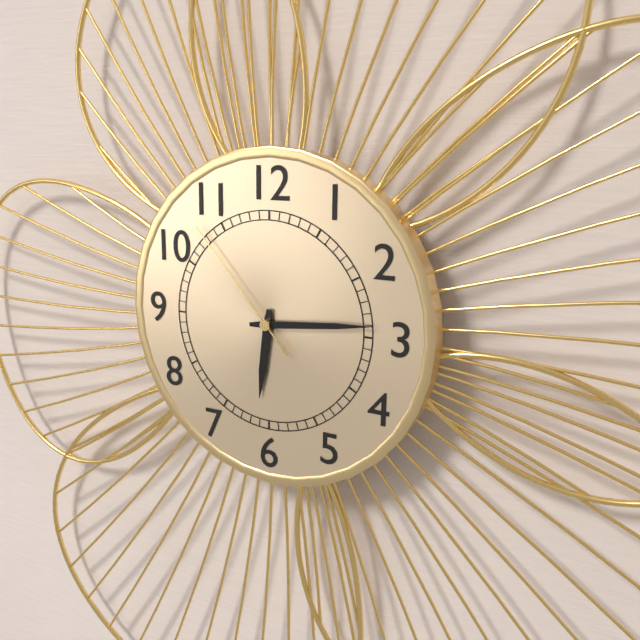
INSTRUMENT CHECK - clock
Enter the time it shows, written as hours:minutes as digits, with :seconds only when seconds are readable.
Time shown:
6:14:53
